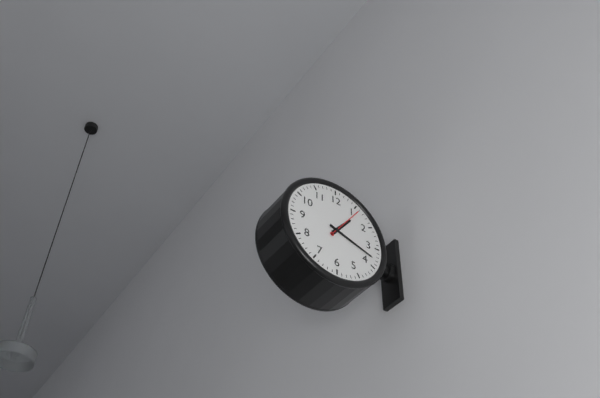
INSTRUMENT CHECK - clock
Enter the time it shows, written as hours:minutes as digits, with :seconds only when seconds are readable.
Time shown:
1:18:06
